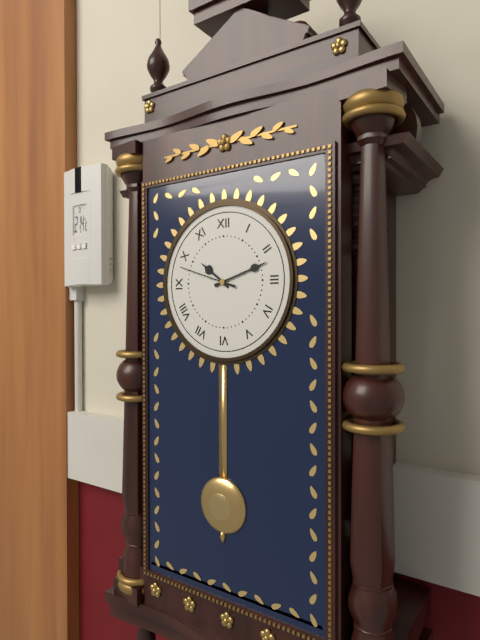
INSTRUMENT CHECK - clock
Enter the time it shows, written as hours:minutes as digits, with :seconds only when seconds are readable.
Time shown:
10:12:48
